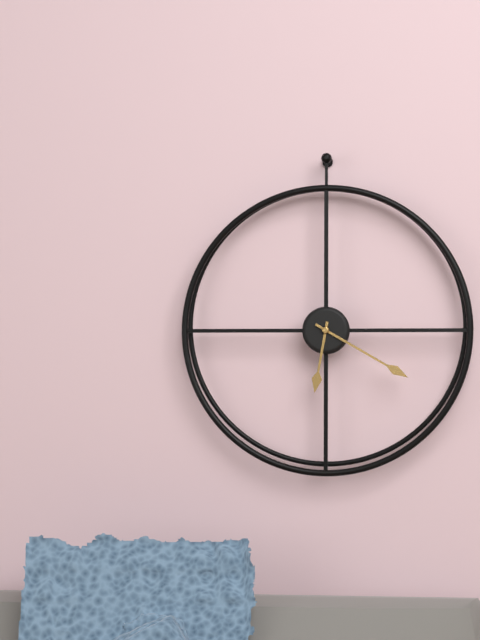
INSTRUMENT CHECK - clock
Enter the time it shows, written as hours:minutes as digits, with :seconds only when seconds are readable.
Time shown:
6:20
